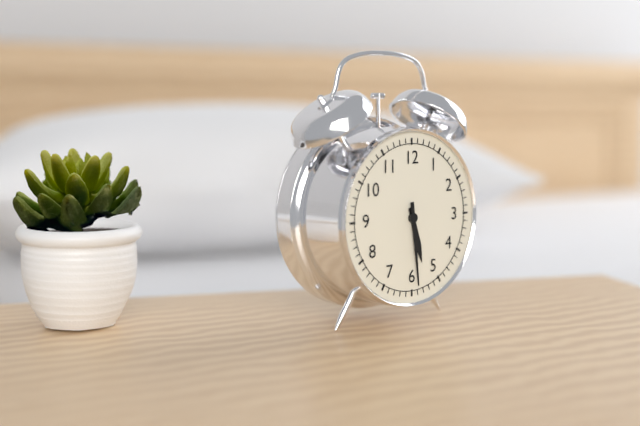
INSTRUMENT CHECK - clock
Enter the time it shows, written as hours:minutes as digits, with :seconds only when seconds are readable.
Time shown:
5:29
